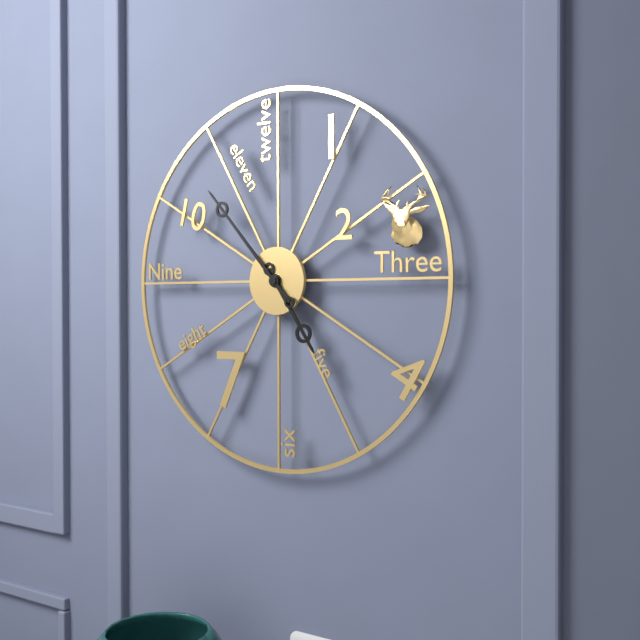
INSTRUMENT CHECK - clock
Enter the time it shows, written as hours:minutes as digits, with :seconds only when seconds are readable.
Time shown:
4:53
